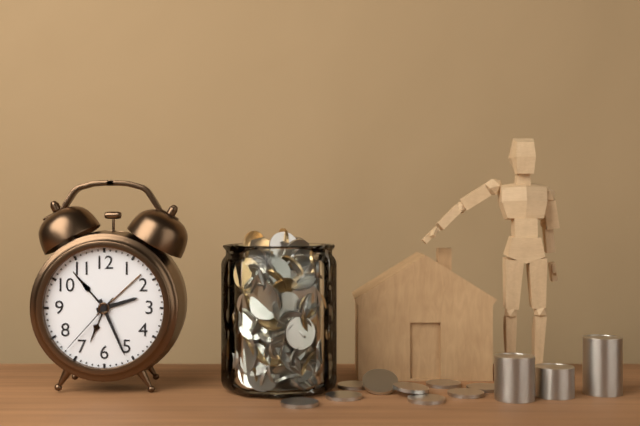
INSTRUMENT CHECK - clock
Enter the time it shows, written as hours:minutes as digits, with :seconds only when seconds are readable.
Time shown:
2:26:37
